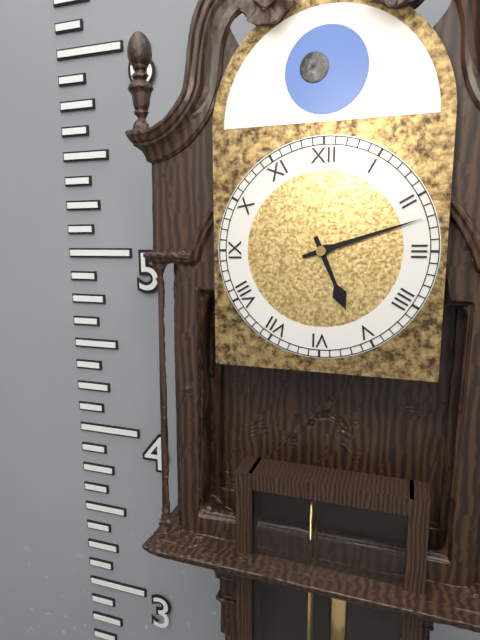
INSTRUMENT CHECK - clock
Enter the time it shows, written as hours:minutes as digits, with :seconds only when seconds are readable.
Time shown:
5:12
